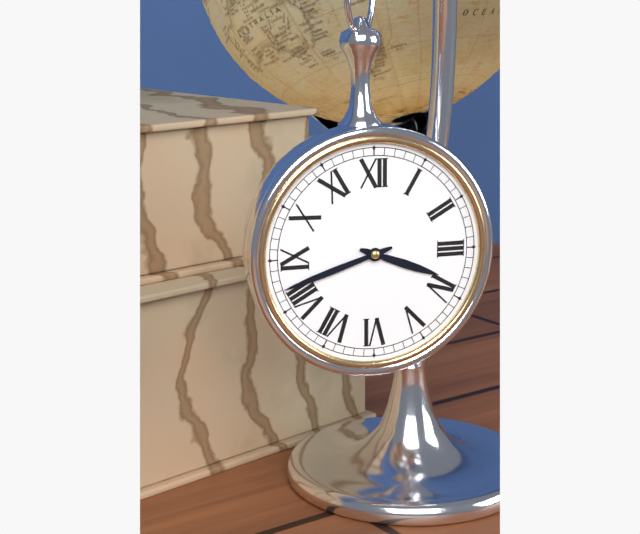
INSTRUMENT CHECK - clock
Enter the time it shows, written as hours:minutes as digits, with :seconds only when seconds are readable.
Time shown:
3:42
